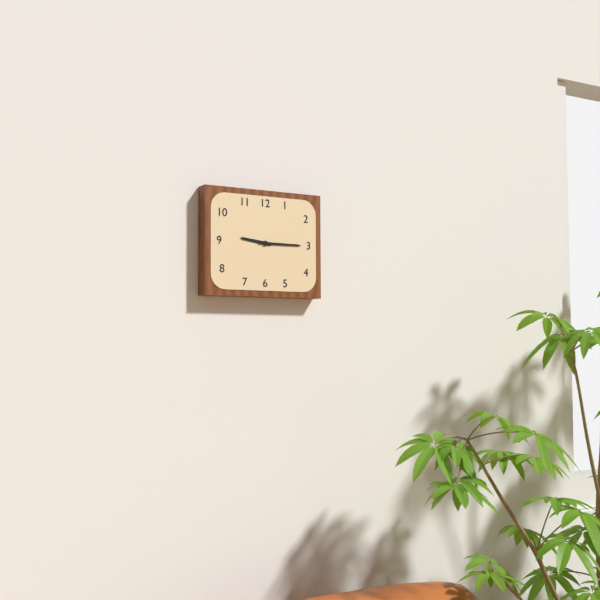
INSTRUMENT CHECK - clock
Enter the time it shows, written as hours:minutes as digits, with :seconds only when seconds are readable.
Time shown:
9:15
